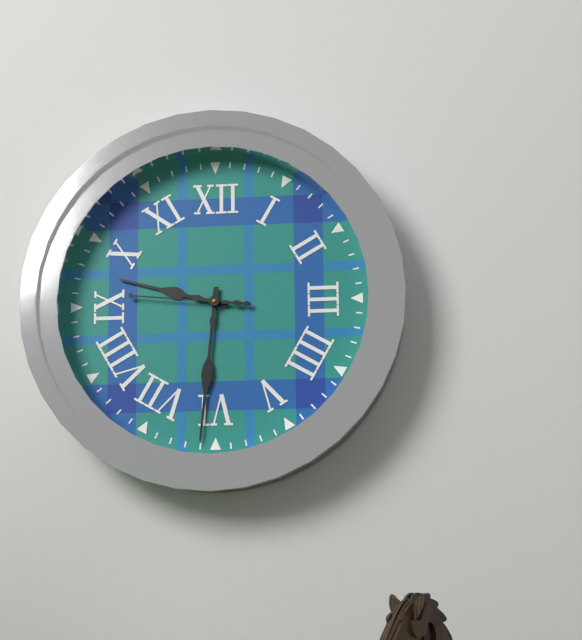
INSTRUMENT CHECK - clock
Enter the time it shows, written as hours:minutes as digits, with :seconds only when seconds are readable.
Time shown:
9:31:46
